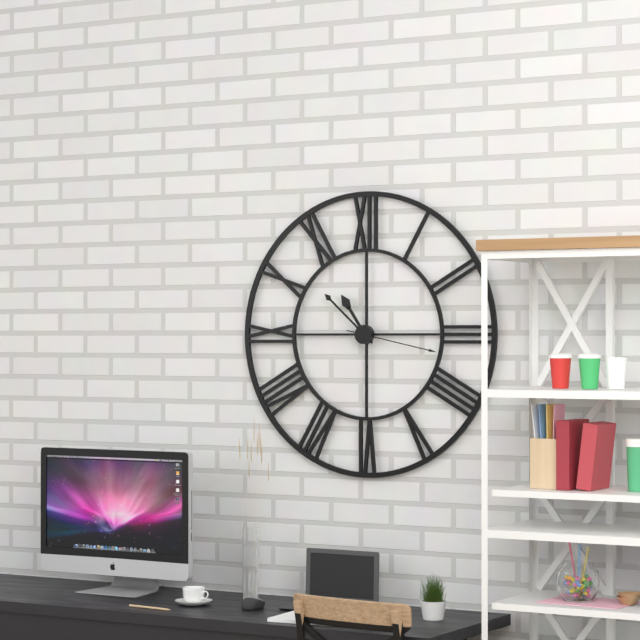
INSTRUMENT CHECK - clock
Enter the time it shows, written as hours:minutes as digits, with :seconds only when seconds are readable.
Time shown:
10:52:17
